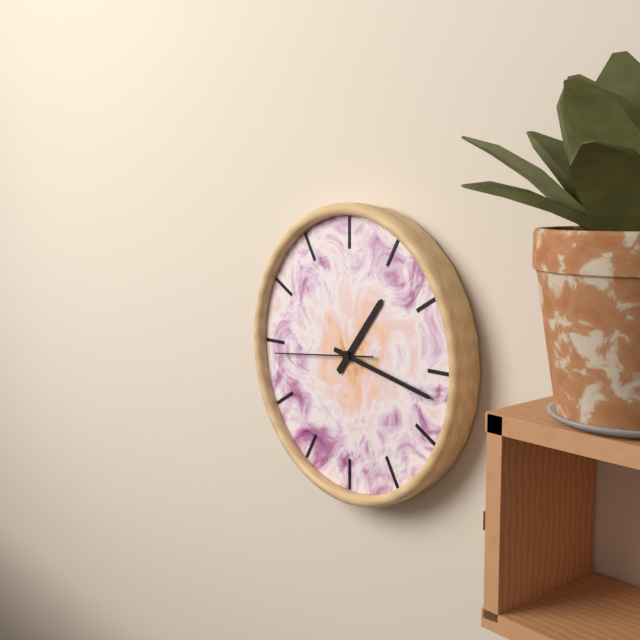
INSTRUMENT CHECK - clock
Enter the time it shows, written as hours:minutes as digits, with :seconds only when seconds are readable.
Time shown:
1:17:44
